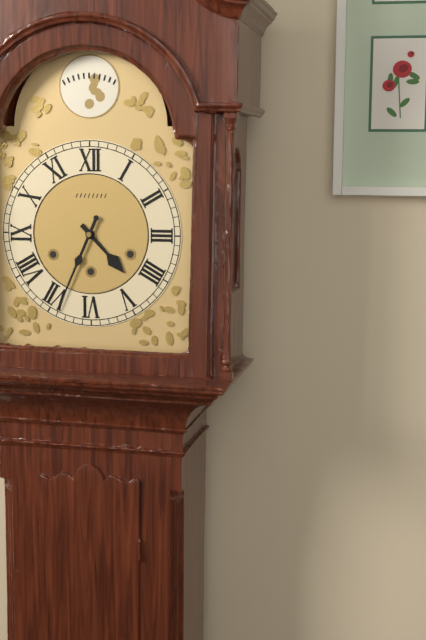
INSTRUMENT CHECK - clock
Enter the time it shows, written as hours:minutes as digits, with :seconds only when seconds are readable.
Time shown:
4:34
